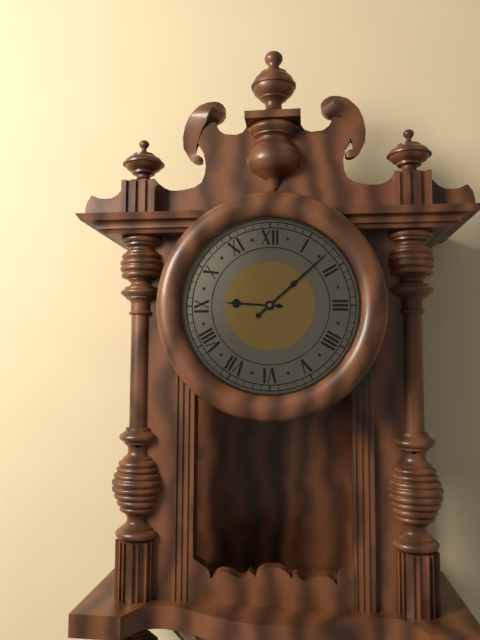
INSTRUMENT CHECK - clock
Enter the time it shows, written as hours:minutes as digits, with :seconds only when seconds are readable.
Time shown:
9:08
